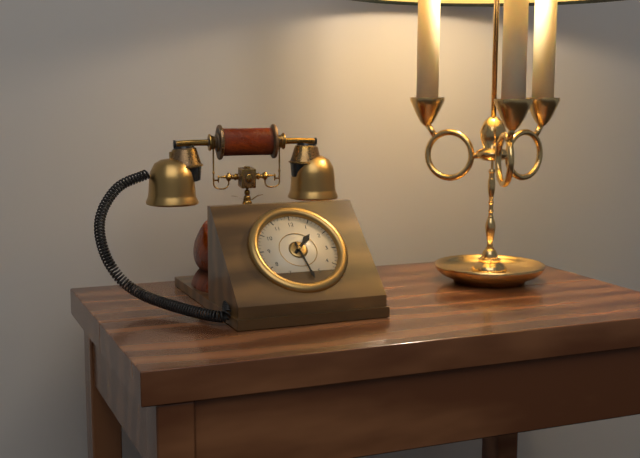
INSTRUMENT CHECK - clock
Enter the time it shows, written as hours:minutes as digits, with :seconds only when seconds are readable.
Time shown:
1:28
